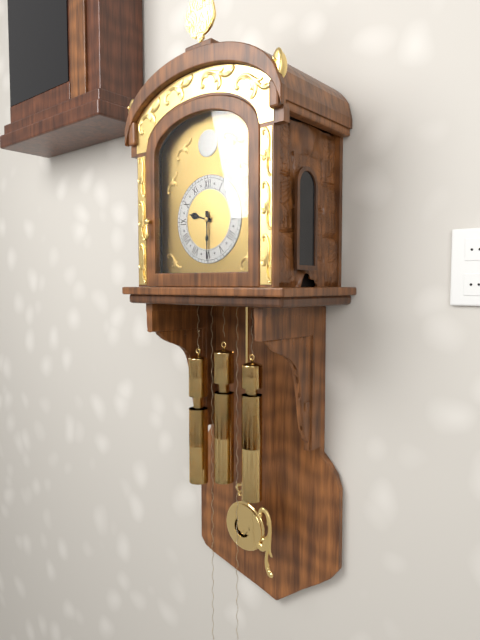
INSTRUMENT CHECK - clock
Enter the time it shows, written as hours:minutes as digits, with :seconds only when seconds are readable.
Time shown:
9:30
